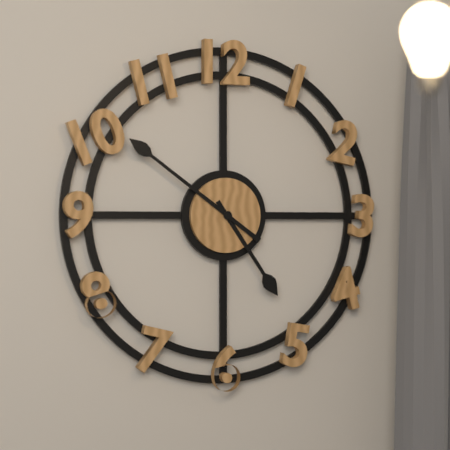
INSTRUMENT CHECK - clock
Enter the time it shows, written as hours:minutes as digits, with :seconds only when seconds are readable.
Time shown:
4:51
